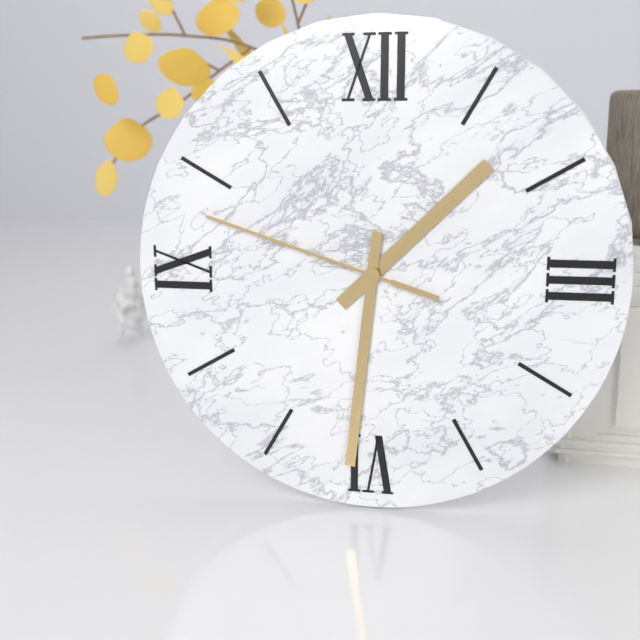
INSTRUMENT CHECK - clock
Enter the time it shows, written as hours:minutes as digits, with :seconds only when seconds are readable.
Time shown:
1:31:48
